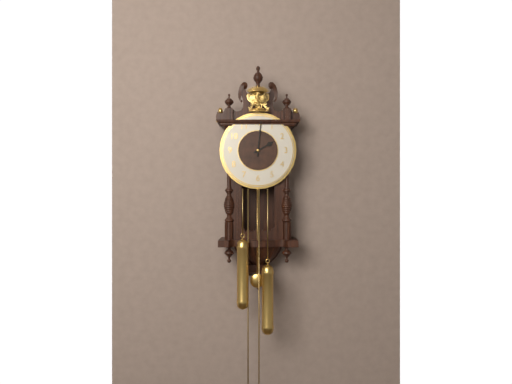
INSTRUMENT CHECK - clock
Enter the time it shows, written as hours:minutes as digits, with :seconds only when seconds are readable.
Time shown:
2:01
